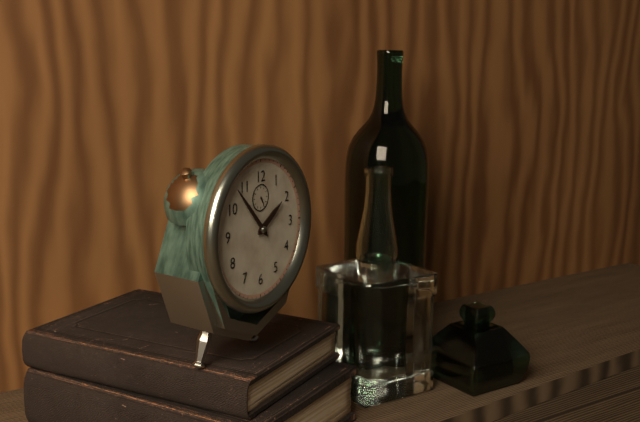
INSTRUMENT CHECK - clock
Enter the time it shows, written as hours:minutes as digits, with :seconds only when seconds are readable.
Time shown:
1:53
